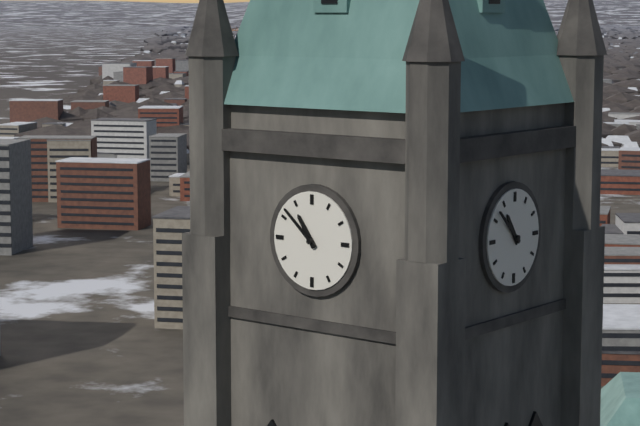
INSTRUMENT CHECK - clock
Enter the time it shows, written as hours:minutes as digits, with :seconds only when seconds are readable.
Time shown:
10:52
